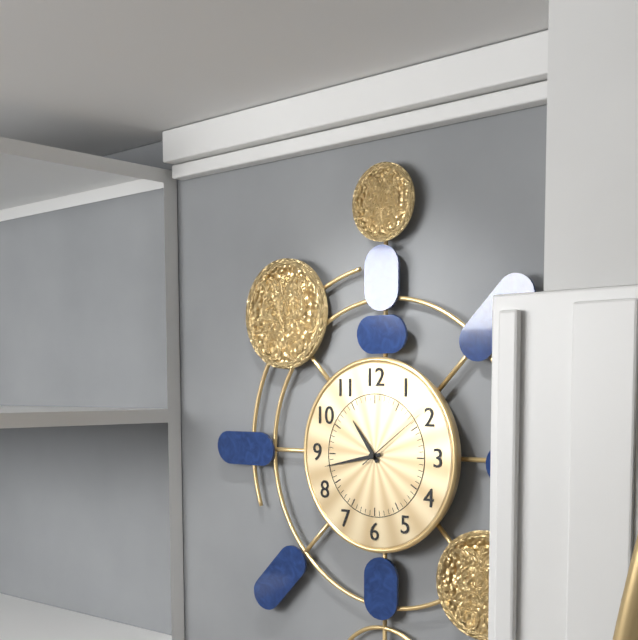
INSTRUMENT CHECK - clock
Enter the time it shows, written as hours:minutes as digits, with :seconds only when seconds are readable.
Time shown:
10:43:09
